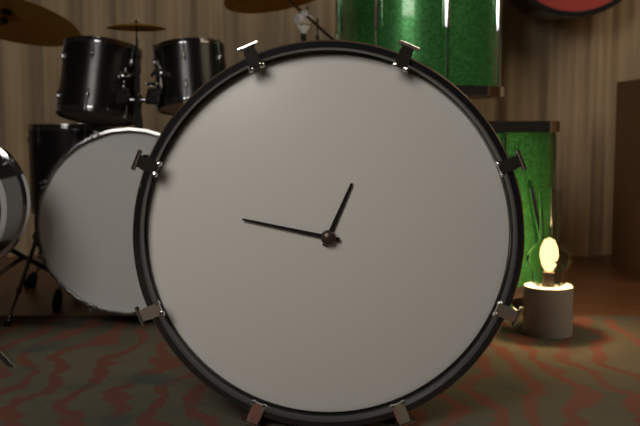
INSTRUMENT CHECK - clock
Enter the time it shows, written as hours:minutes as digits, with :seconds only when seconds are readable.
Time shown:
12:47
